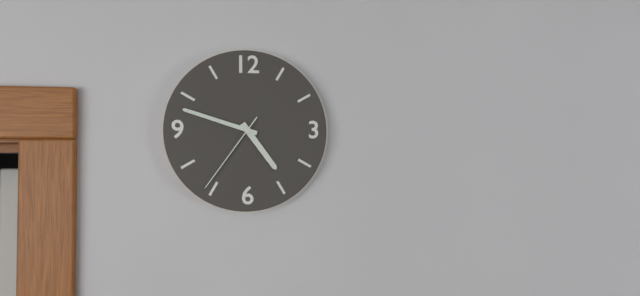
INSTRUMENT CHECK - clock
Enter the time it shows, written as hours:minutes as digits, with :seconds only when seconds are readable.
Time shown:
4:48:36
